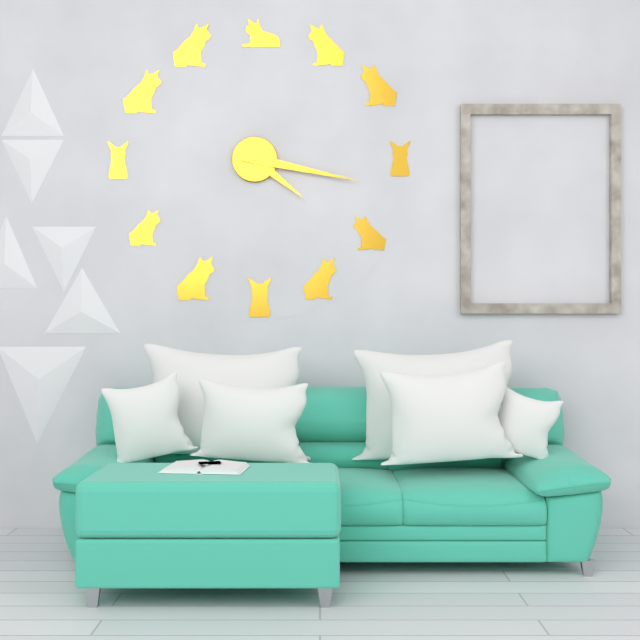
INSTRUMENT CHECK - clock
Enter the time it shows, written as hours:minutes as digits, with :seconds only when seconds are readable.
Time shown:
4:17
